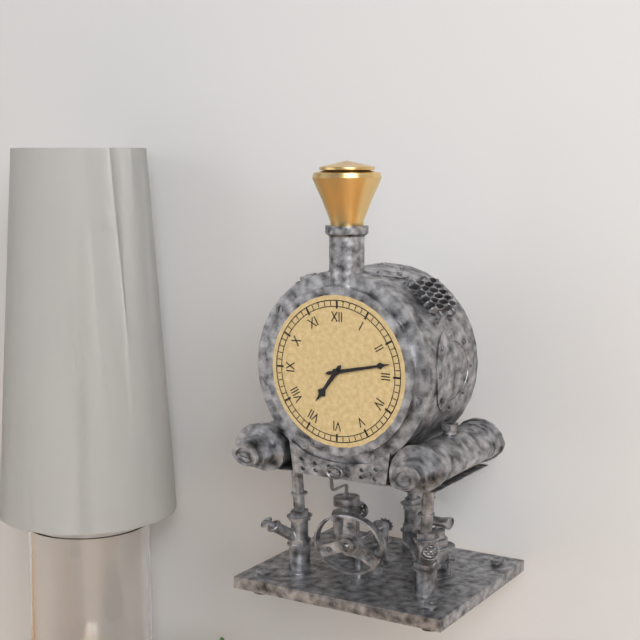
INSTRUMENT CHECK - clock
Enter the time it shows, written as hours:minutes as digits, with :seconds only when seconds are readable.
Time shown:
7:13
